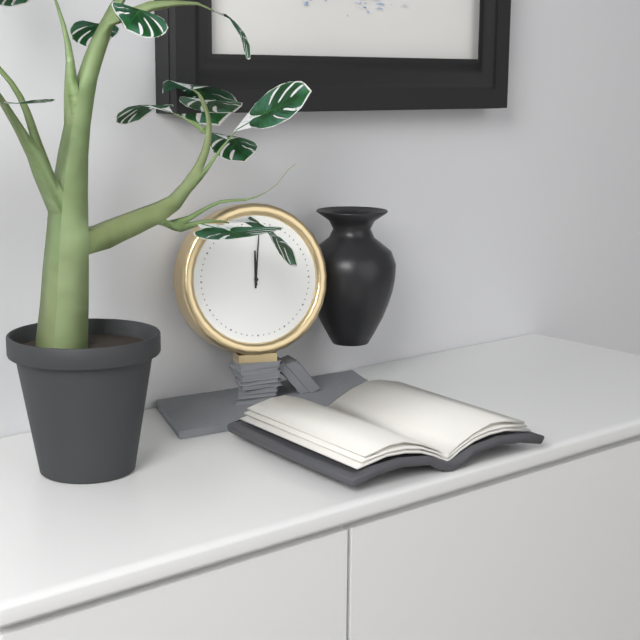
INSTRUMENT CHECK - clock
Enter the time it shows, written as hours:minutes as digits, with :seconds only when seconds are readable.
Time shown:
12:01
